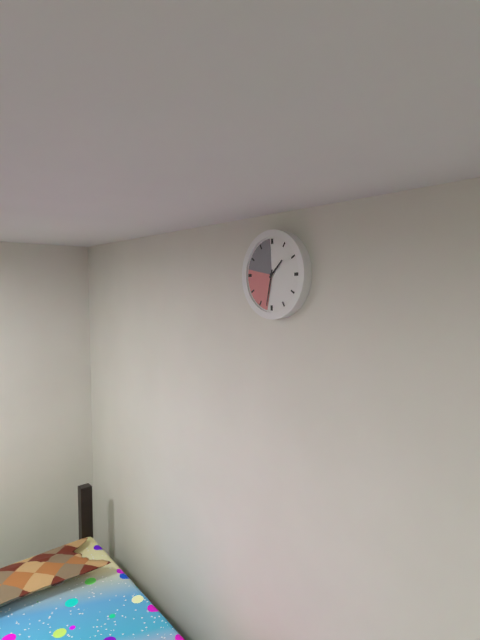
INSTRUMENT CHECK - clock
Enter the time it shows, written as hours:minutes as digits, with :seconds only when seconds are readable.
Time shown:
1:32
